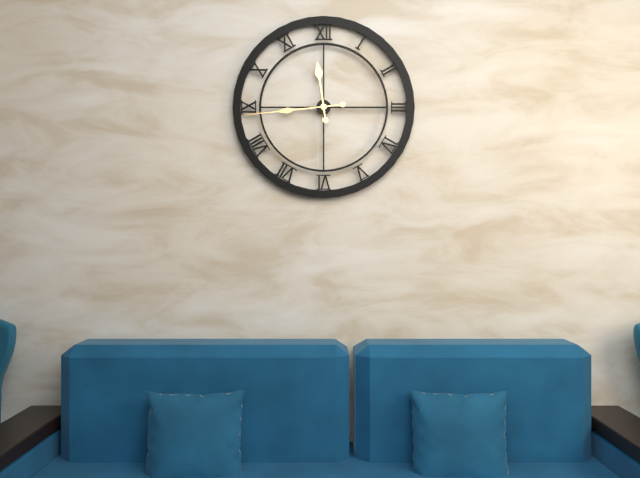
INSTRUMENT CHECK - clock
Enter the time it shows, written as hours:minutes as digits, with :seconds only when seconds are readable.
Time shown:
11:44
